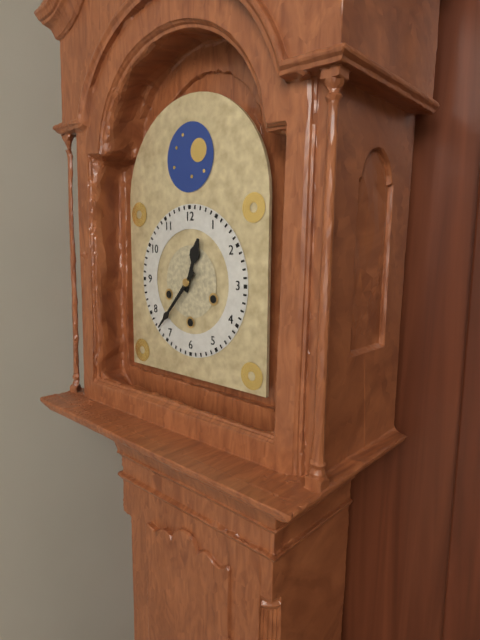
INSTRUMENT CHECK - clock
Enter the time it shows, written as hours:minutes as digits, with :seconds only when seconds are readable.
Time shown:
12:37
